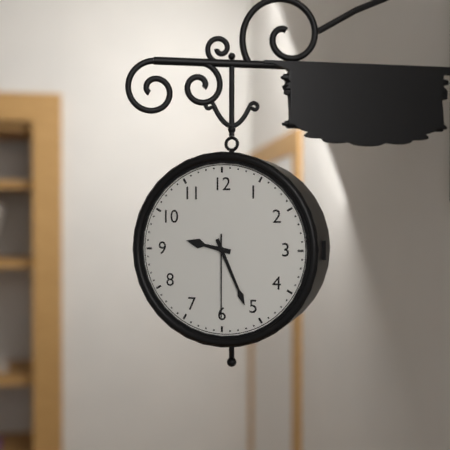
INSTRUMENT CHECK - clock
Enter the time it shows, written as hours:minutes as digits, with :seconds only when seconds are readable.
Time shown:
9:26:30
